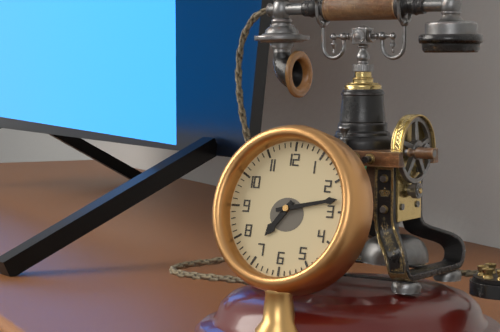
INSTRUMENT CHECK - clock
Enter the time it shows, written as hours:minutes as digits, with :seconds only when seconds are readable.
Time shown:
7:13
